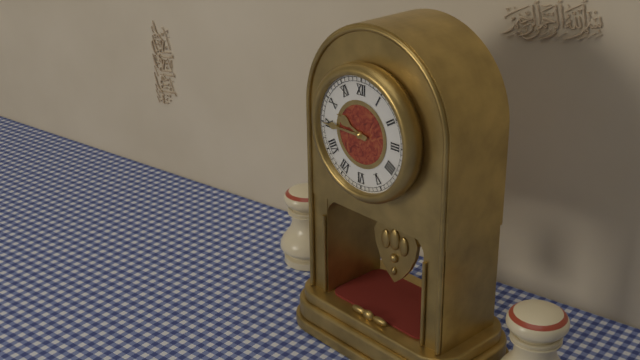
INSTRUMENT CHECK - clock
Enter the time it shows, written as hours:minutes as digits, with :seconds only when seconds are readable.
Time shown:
9:45
